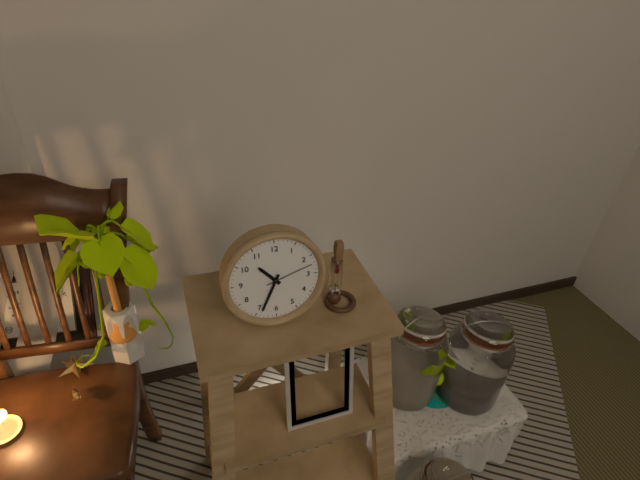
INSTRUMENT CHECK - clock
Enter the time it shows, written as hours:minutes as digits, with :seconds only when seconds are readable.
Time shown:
10:34
